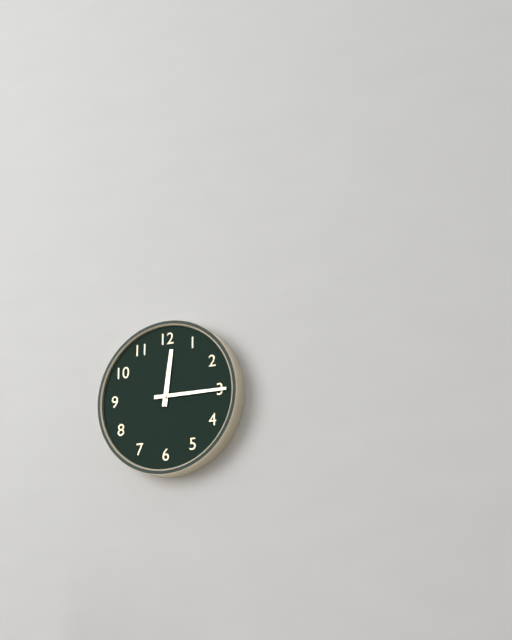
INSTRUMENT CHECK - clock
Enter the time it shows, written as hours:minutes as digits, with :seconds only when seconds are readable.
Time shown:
12:15
